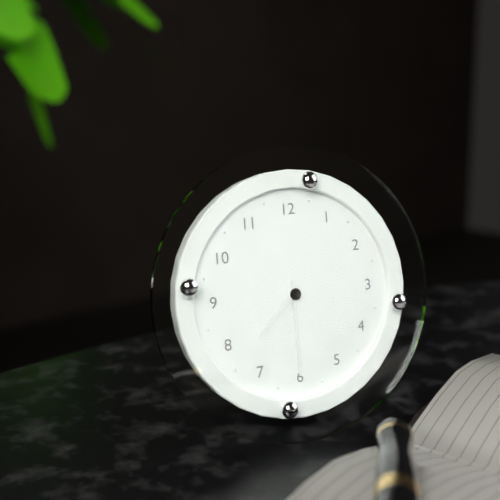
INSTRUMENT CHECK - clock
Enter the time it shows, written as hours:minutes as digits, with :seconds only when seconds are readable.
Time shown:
7:30
